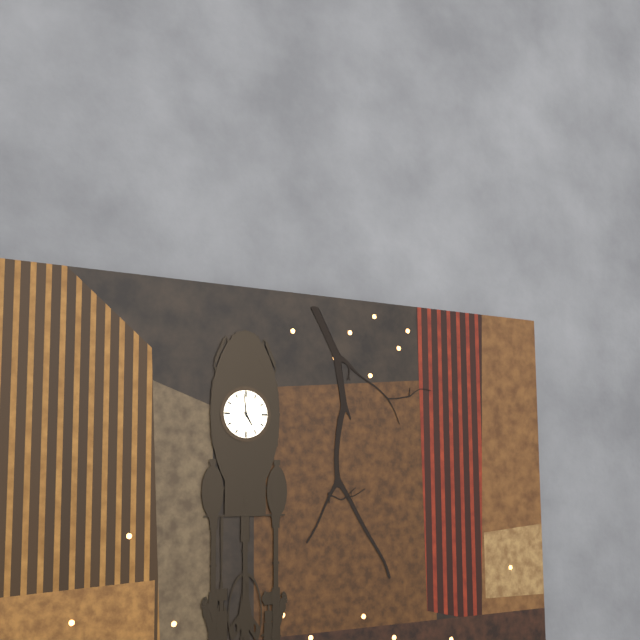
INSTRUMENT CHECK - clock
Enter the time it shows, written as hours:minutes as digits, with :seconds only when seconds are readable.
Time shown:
4:59
